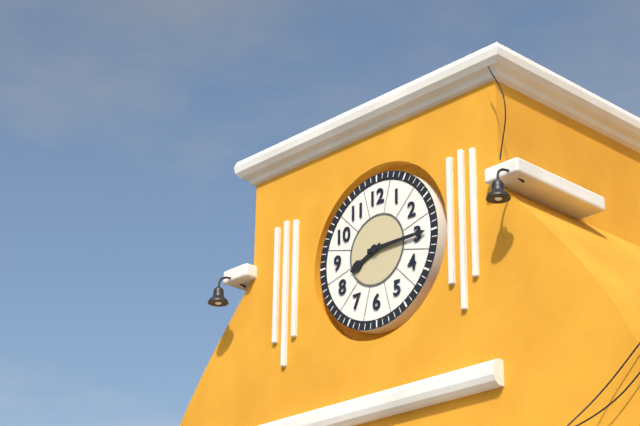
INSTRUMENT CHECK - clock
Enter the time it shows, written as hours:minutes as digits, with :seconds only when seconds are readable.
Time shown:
8:15
